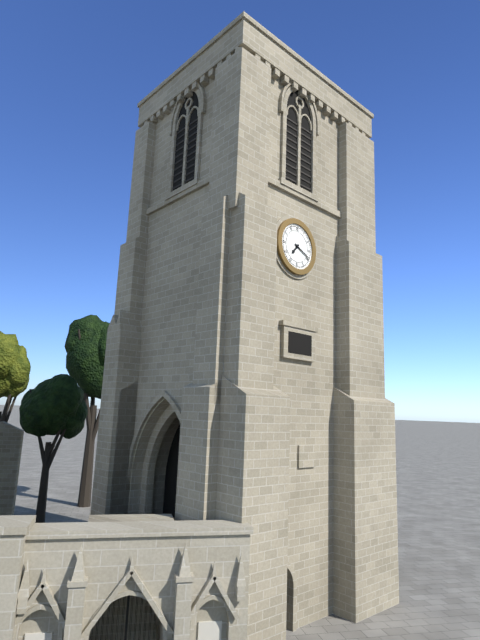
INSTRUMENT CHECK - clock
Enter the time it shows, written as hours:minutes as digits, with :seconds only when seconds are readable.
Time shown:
7:19
